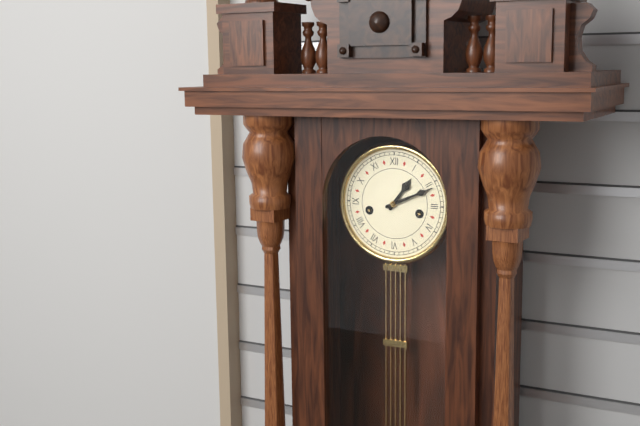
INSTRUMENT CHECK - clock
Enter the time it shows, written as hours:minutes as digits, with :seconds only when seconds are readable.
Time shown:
1:11
